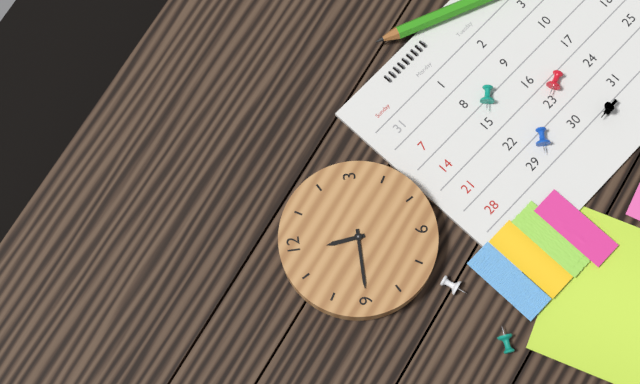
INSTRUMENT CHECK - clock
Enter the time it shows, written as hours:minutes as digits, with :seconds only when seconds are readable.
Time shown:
11:45
